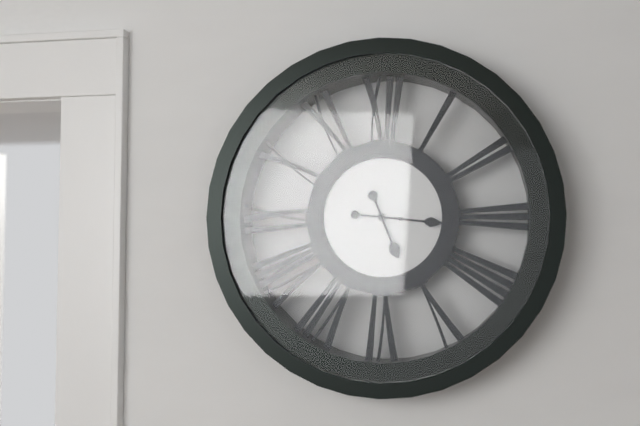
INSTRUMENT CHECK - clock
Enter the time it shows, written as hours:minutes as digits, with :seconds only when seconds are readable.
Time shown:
5:16
